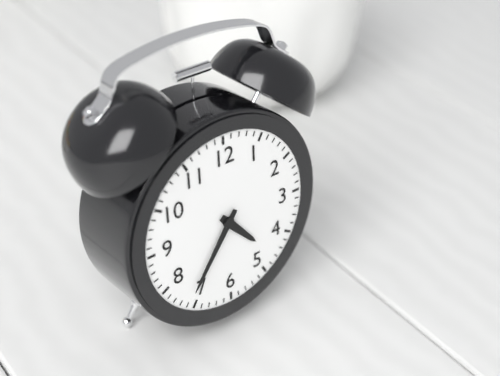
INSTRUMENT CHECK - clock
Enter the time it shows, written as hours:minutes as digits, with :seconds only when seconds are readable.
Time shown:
4:36
